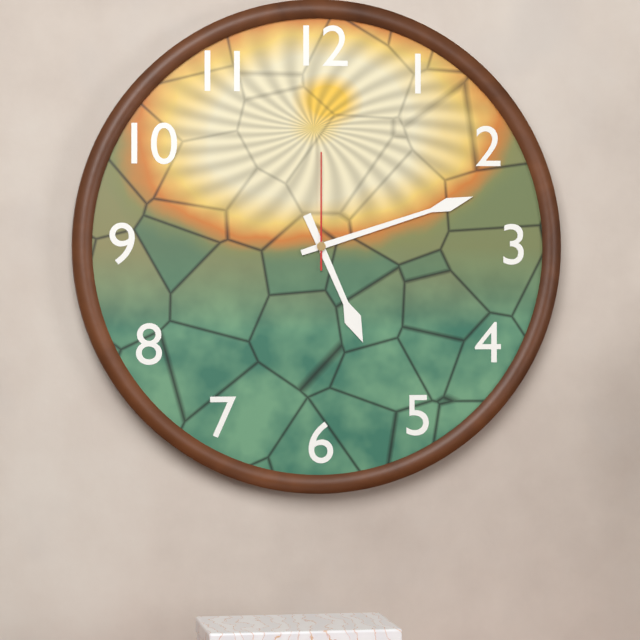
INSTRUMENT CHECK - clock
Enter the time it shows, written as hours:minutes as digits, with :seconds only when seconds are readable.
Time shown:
5:12:00
